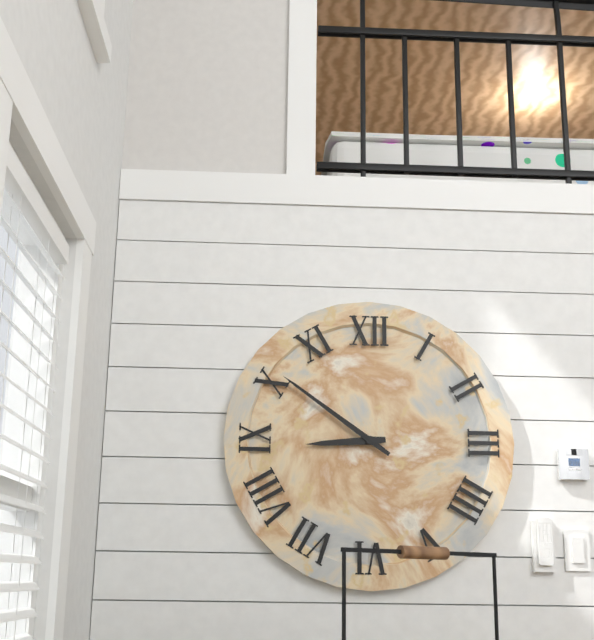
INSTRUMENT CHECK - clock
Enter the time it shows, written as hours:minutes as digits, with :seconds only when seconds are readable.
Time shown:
8:51
